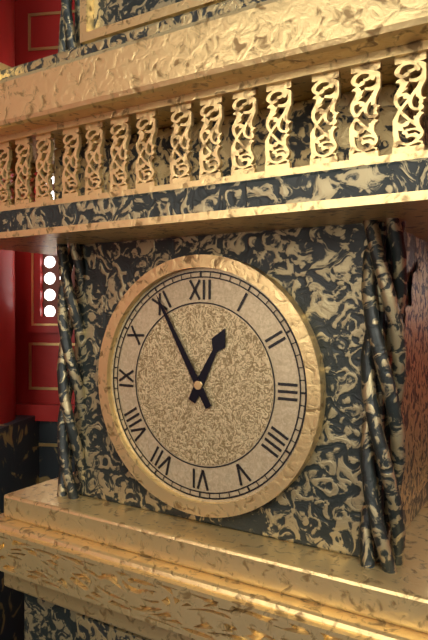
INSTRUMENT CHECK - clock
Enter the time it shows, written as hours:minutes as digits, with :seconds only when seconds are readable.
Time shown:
12:55
